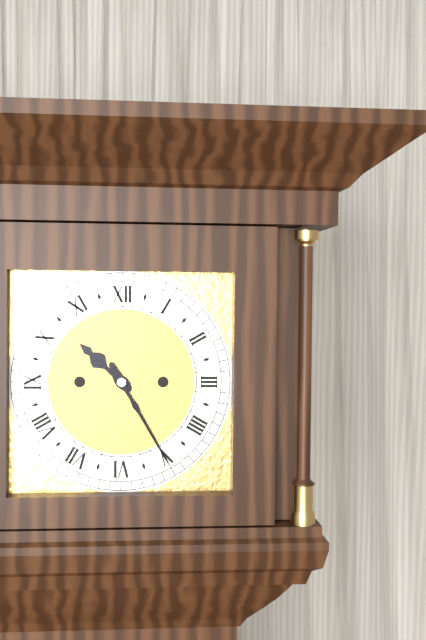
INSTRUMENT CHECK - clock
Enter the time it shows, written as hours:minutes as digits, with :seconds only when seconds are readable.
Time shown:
10:25
